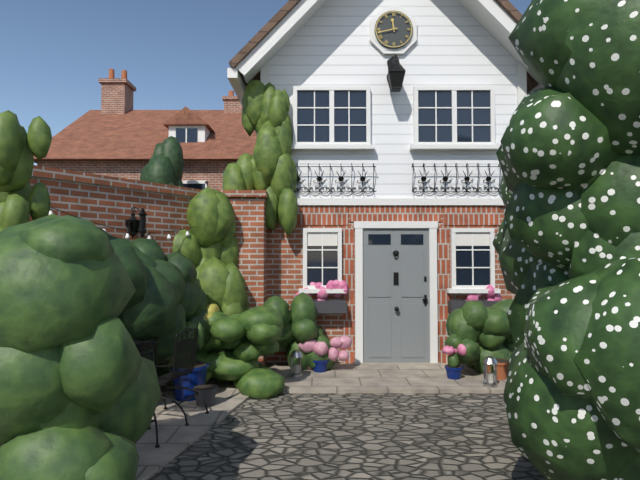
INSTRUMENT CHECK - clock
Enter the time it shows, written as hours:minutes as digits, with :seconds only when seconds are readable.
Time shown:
11:43
